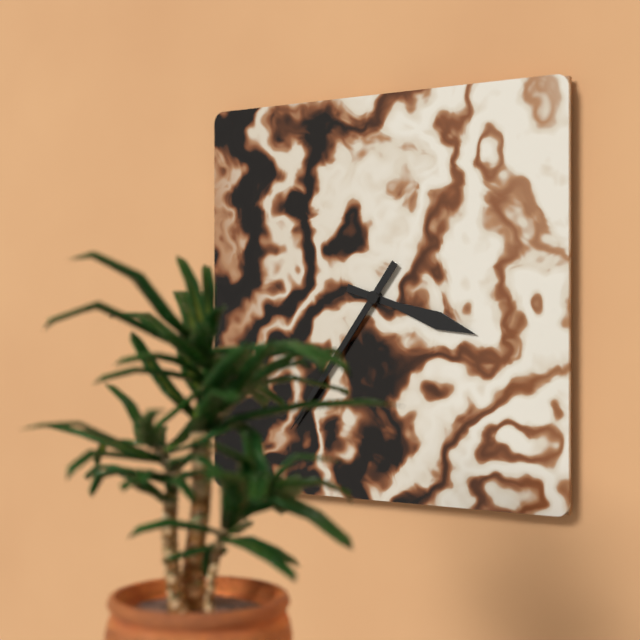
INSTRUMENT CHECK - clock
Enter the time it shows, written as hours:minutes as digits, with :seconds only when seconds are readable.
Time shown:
3:36
